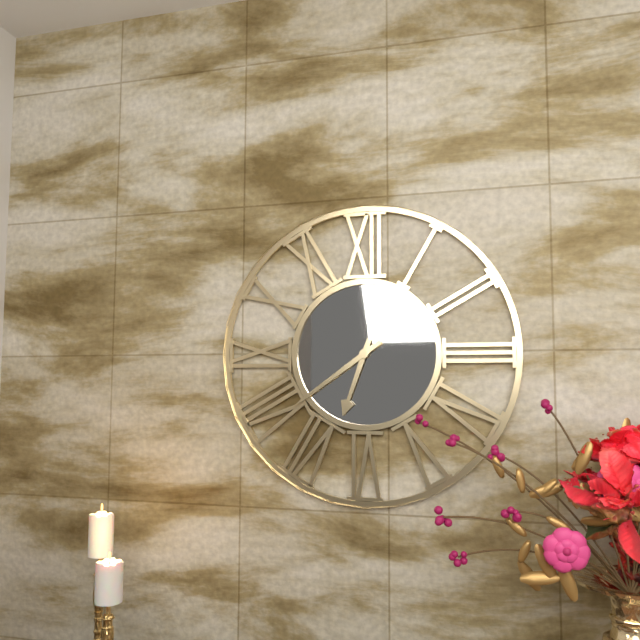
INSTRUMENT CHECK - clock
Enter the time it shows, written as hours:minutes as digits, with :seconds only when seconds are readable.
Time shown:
6:39
